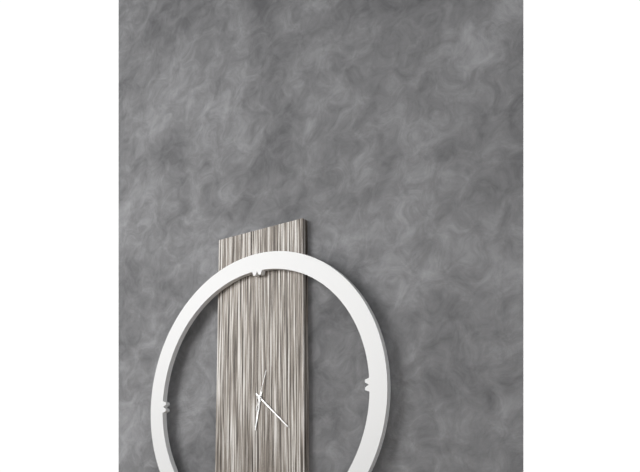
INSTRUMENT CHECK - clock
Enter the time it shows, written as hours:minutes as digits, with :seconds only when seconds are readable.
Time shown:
6:22
